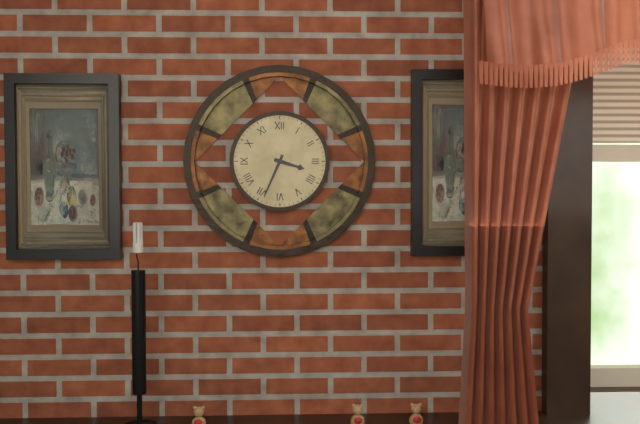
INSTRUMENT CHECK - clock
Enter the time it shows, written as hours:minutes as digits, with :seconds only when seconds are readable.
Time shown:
3:34
